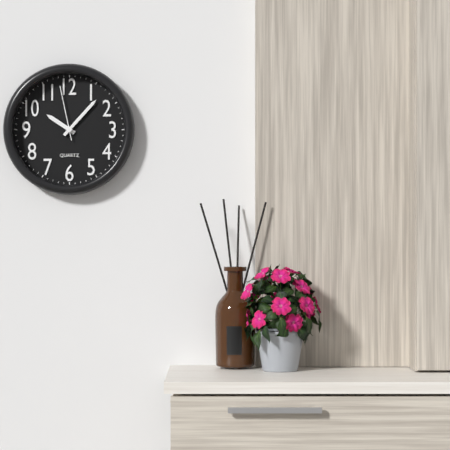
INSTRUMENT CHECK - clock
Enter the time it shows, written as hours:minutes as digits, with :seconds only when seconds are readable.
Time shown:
10:07:58
